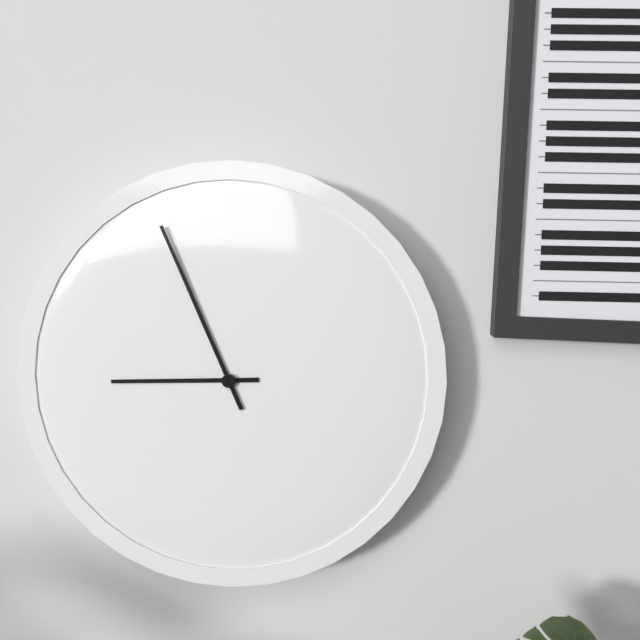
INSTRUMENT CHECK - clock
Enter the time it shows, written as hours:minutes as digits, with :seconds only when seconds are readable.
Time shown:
8:56
